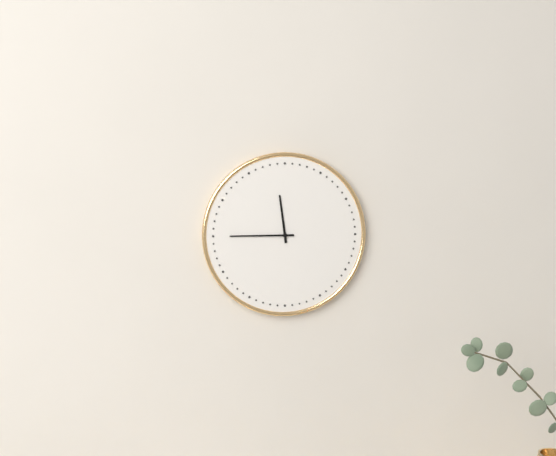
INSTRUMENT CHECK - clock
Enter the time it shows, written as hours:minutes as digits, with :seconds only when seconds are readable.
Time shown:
11:45
